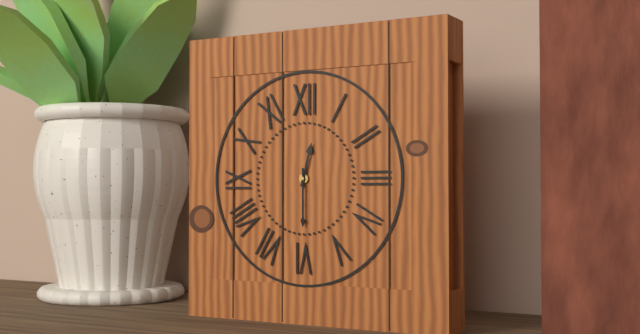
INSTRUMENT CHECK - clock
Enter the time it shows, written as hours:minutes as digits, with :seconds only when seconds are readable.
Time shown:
12:30
